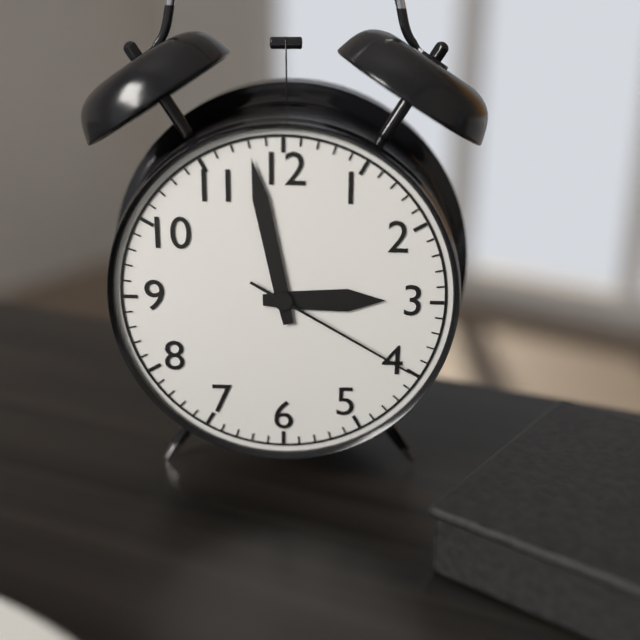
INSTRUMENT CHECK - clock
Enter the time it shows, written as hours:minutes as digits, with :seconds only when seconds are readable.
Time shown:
2:58:20
